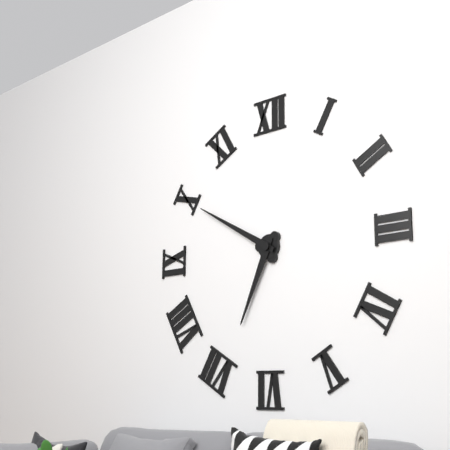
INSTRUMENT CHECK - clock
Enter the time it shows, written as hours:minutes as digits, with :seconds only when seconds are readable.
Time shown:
6:50
